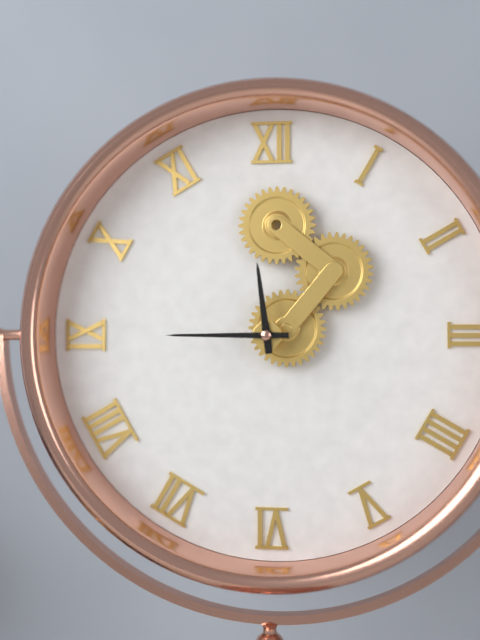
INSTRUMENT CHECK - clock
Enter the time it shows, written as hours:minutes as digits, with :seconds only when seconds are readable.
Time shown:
11:45
